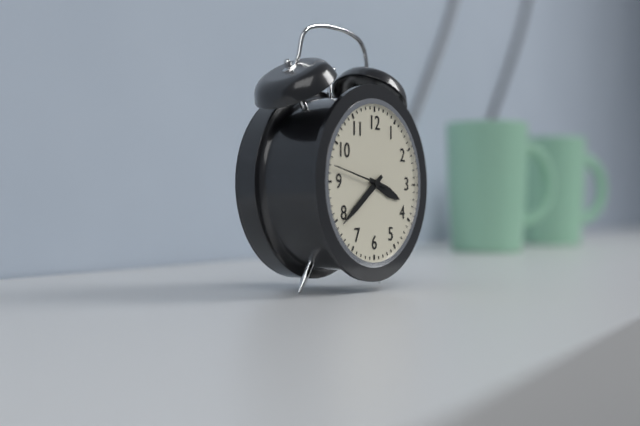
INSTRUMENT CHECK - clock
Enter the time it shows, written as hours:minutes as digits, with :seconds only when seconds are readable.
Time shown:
3:39:47
